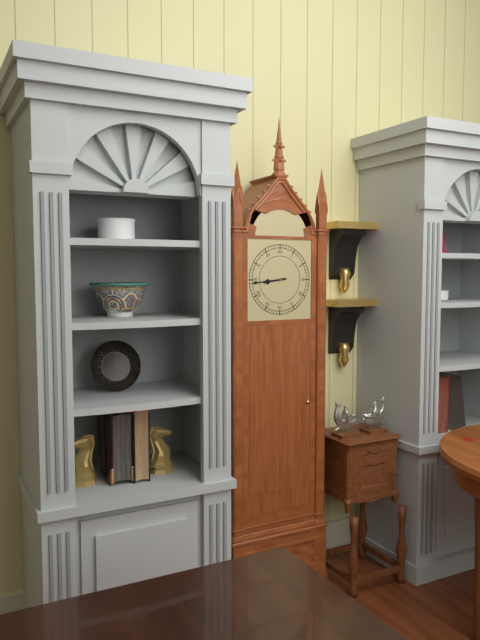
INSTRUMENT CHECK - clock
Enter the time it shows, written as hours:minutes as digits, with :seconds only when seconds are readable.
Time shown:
8:44
